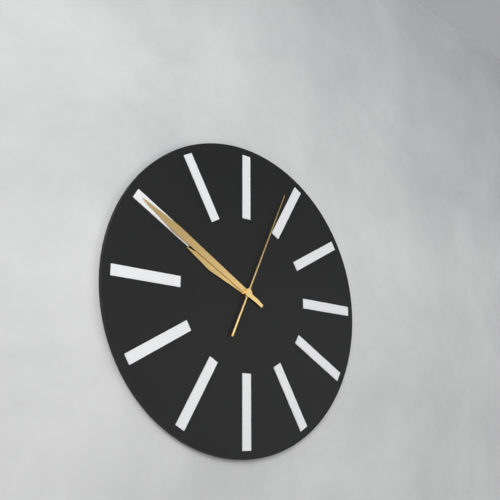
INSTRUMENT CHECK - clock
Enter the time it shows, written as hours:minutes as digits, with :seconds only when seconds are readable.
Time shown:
9:50:04
